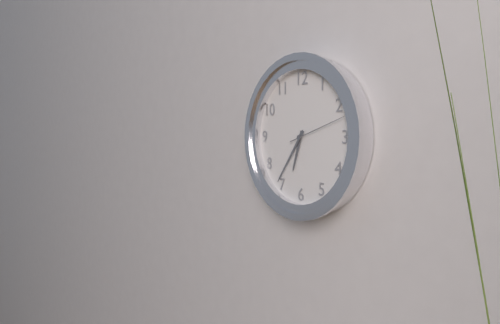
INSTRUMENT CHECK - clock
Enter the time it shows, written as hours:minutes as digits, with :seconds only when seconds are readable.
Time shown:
6:36:12
